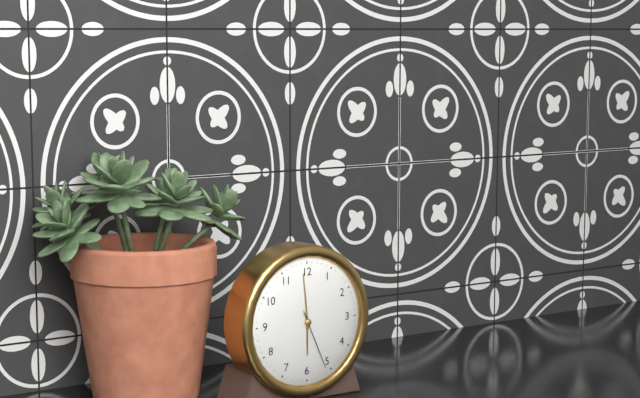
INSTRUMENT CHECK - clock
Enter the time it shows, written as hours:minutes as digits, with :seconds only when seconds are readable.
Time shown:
5:59:26
